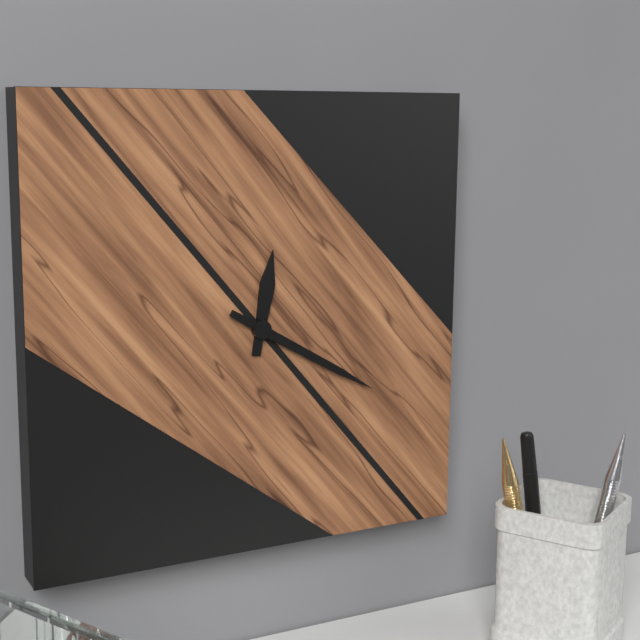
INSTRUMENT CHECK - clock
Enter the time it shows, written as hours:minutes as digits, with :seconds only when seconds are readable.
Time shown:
12:20
